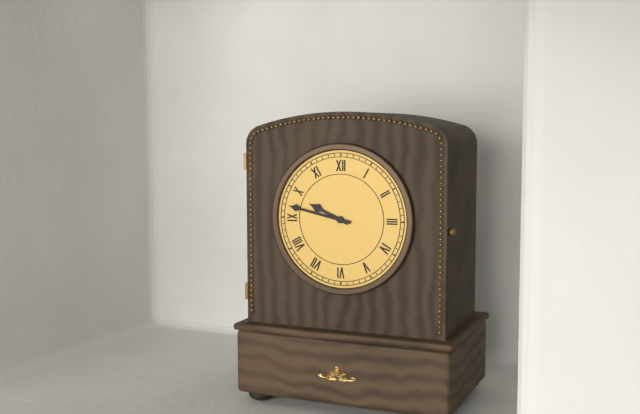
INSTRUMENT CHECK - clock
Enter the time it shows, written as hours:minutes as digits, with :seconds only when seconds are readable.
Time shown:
9:47
